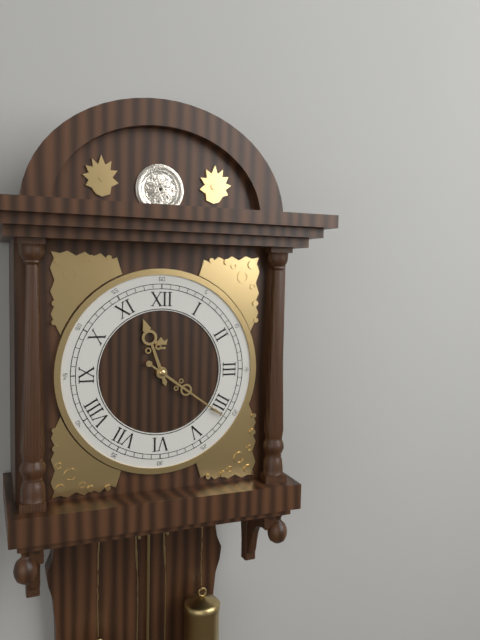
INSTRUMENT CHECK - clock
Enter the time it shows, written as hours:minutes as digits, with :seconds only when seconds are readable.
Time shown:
11:21
